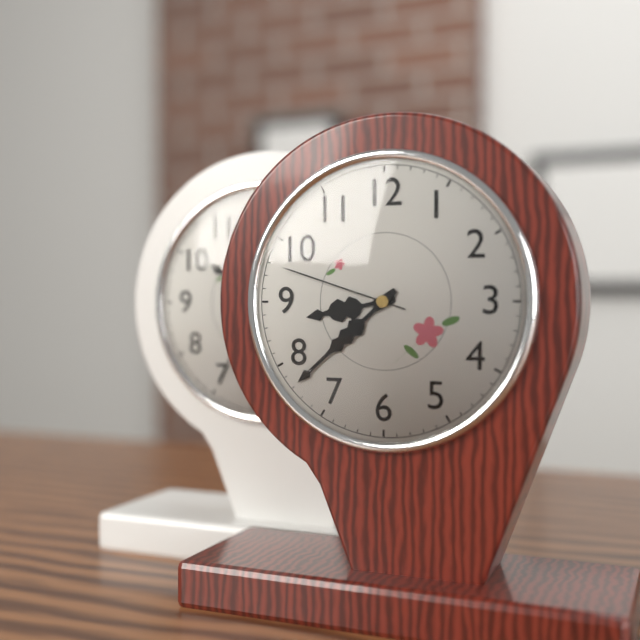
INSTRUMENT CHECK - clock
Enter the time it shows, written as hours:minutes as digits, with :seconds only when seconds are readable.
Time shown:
8:38:48
